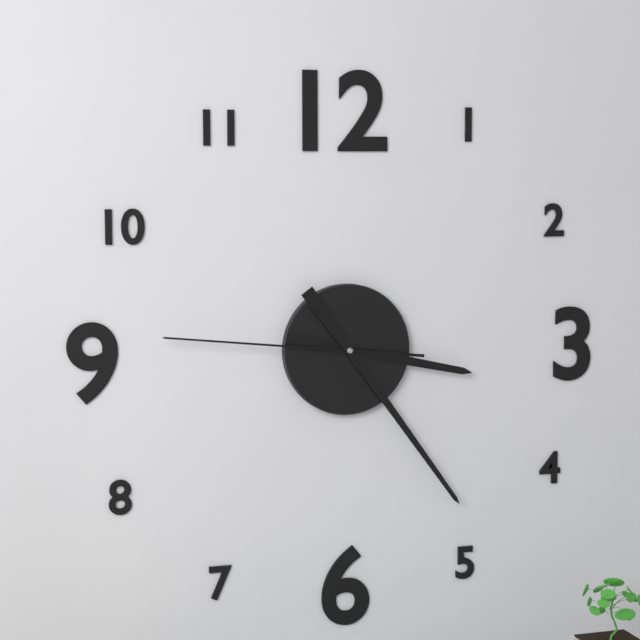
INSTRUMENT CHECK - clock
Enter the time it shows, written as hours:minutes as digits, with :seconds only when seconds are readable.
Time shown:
3:24:46
